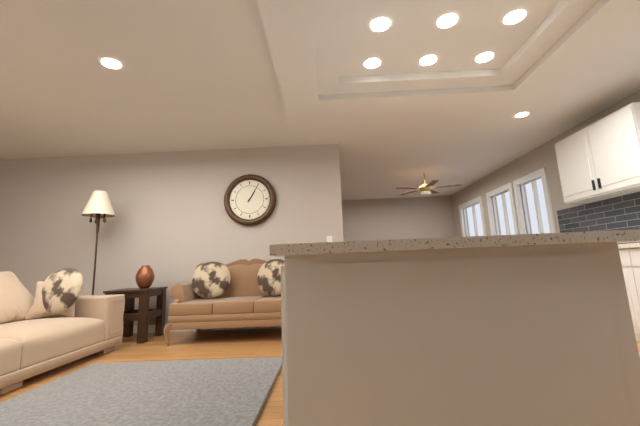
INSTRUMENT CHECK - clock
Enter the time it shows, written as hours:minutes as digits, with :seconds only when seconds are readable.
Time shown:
1:05
